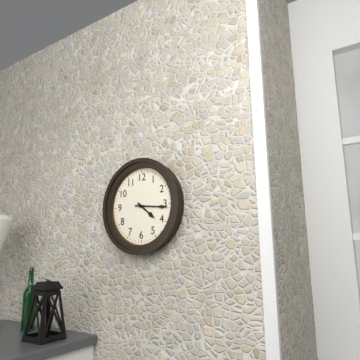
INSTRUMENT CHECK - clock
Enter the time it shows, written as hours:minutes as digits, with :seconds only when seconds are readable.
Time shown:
4:16
